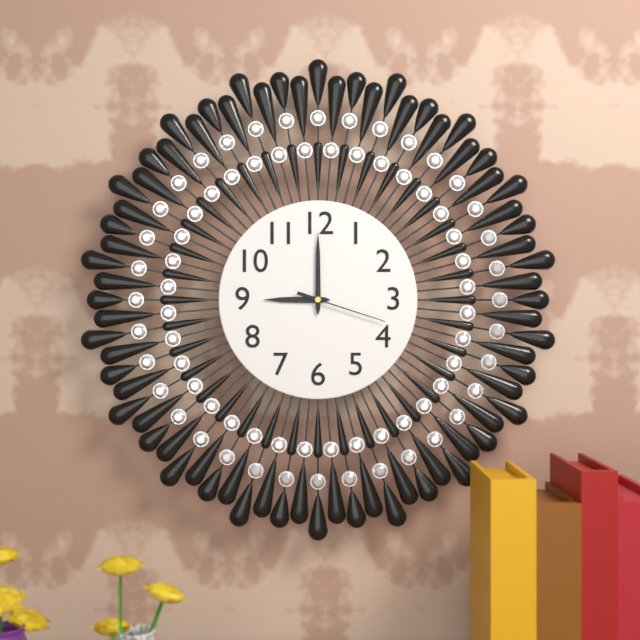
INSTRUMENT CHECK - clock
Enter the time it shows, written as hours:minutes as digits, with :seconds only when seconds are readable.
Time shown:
9:00:18
